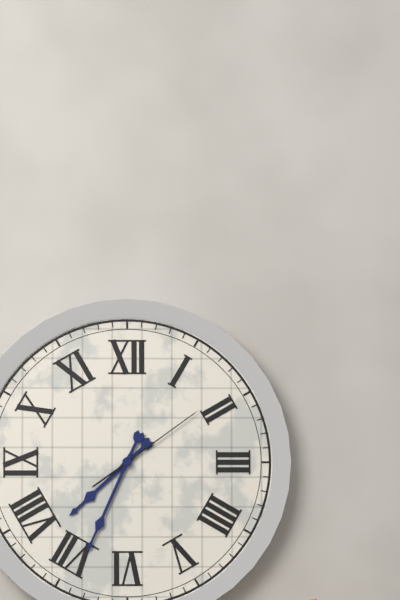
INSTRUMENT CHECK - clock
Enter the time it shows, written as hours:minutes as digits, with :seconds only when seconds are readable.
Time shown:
7:34:09
